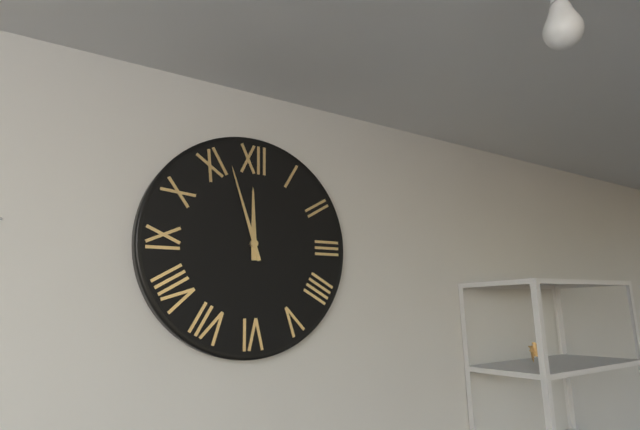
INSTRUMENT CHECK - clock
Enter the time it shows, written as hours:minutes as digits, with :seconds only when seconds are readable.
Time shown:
11:57
